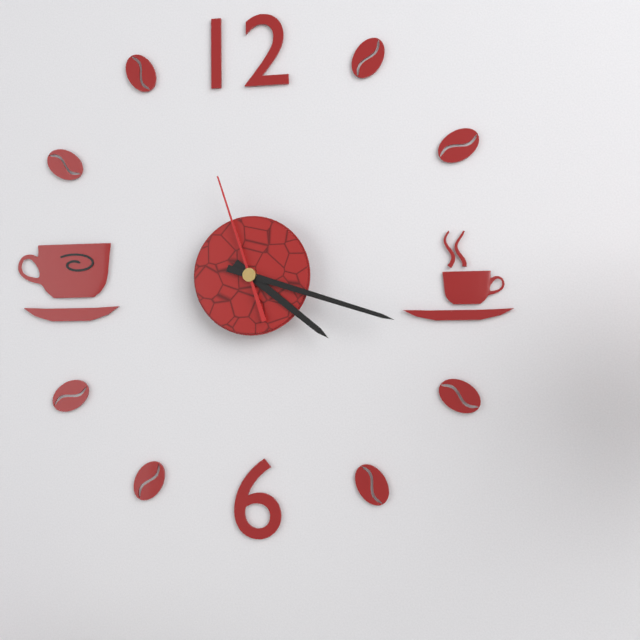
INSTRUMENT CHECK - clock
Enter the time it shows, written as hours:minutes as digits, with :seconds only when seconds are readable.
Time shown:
4:18:57
